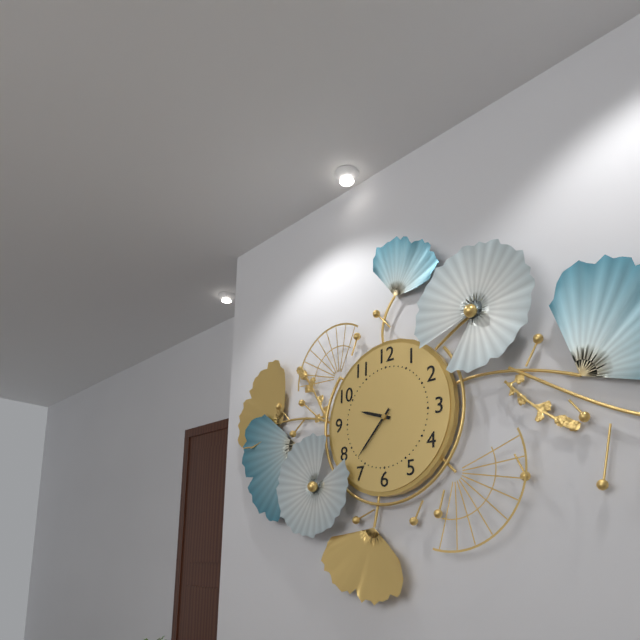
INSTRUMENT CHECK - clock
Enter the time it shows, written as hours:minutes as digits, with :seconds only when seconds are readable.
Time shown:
9:37
